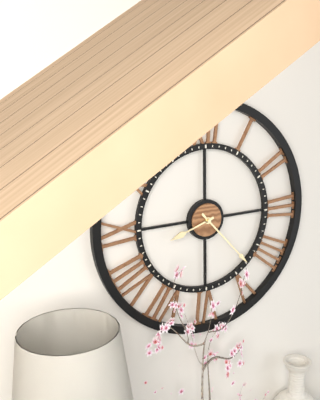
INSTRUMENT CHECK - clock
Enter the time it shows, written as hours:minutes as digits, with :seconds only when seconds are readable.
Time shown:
8:23
